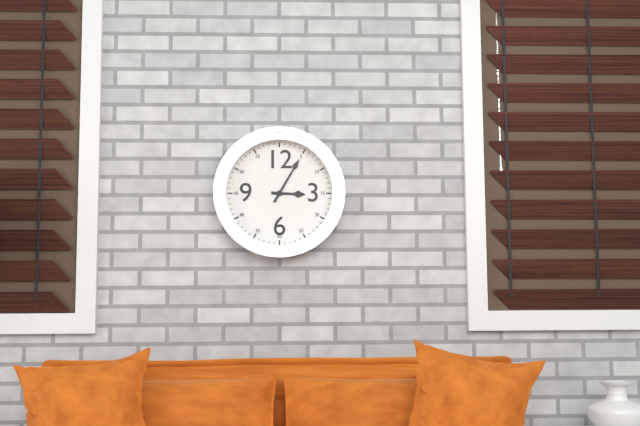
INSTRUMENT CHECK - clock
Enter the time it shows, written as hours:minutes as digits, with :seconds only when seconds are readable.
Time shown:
3:05
